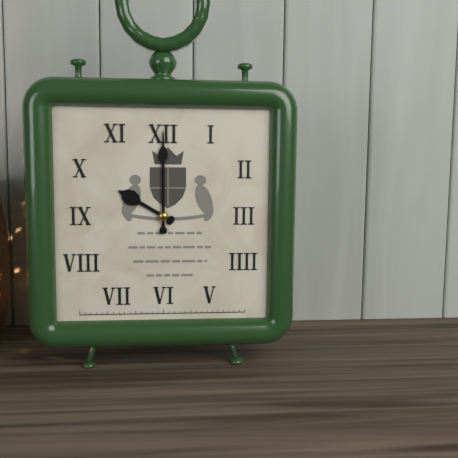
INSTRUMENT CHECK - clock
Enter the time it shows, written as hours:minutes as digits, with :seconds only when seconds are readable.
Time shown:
10:00
